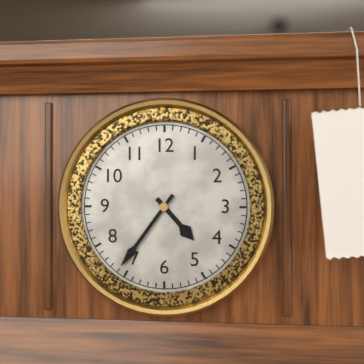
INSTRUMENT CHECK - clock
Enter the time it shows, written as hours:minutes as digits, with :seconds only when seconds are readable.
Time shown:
4:36
